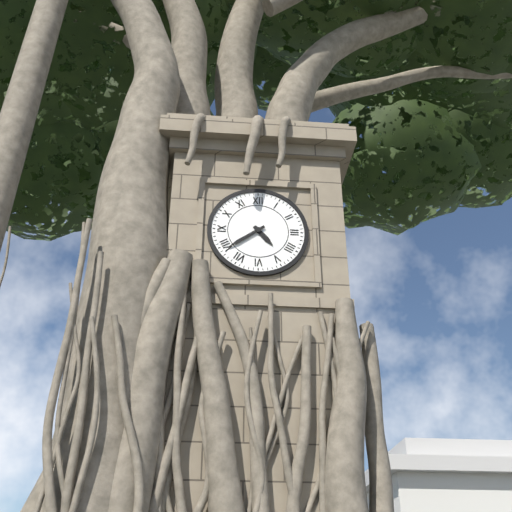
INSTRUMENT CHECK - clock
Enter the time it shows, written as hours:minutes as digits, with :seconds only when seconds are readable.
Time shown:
4:39
